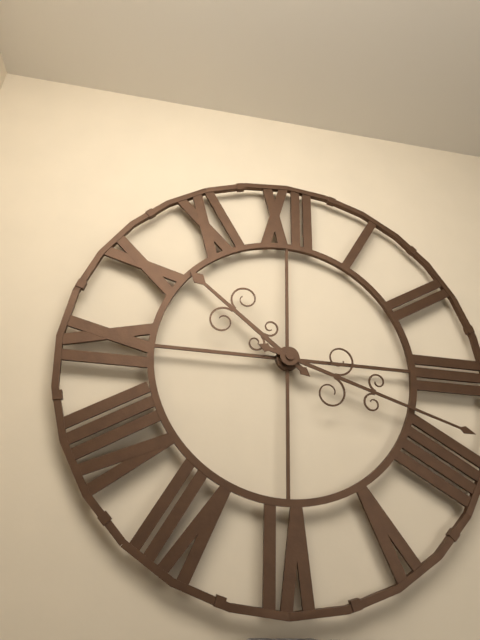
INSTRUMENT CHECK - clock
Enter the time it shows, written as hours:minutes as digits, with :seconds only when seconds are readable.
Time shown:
10:18
